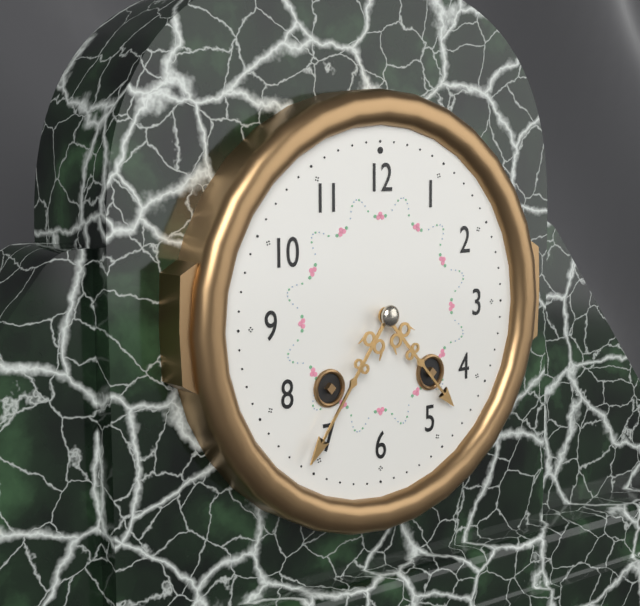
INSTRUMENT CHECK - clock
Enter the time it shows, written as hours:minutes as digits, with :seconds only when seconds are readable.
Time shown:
4:36
